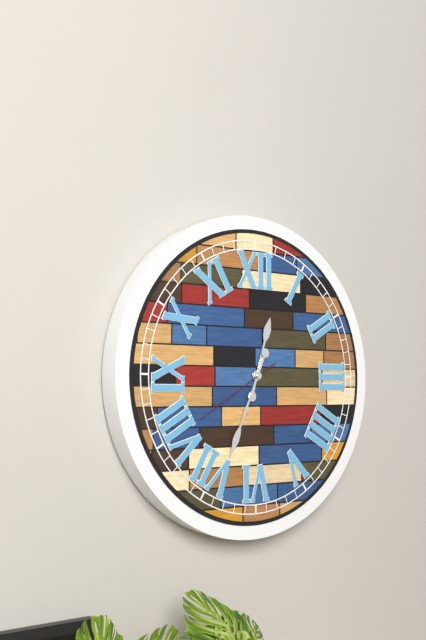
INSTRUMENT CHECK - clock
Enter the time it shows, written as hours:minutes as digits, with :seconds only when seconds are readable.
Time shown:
12:34:40
